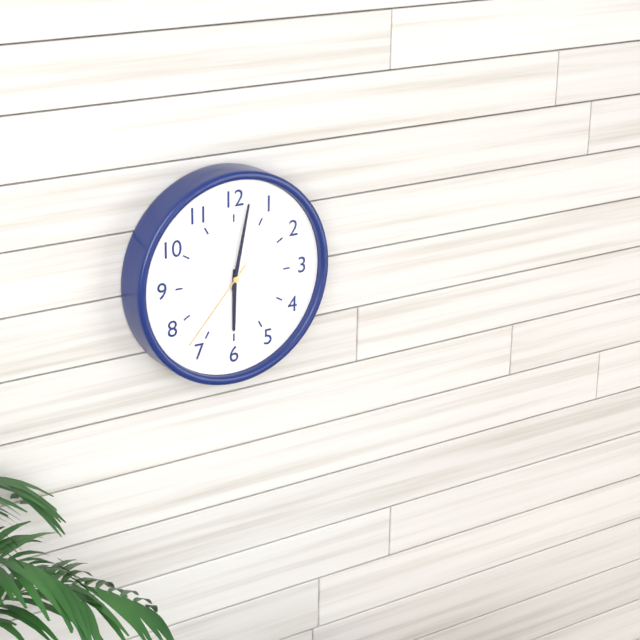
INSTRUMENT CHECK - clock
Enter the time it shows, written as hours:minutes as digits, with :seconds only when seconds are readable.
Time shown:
6:02:37
